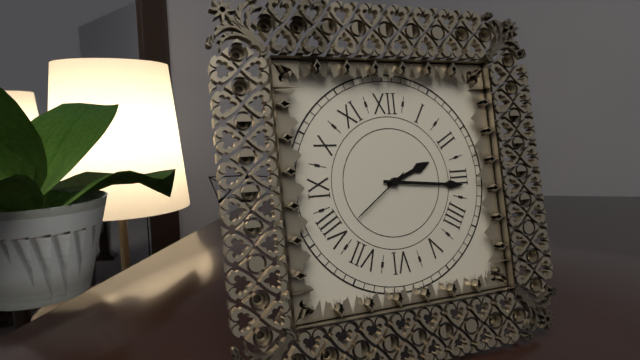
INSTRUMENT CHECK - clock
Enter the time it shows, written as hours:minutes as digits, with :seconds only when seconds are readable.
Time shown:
2:16:39
